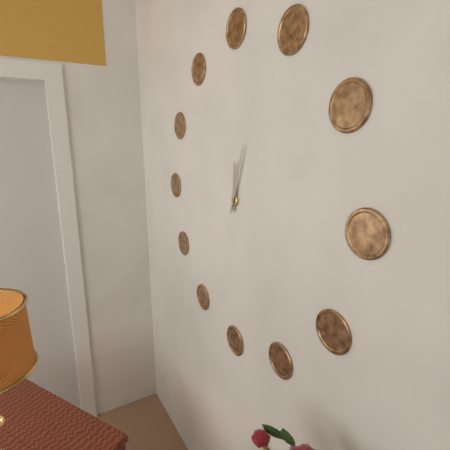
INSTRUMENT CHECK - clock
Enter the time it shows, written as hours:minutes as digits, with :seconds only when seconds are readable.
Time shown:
12:03
